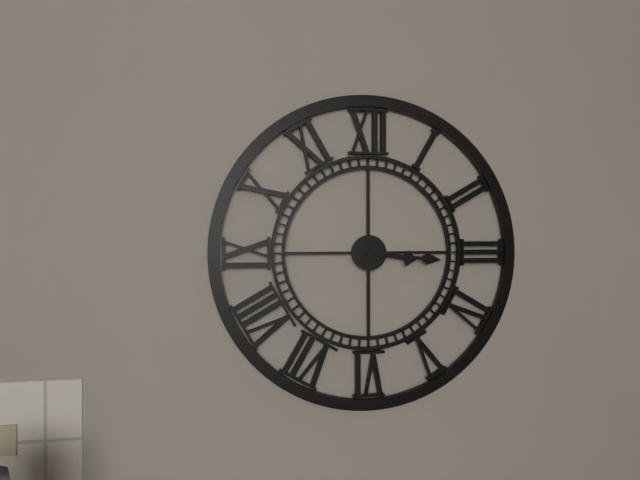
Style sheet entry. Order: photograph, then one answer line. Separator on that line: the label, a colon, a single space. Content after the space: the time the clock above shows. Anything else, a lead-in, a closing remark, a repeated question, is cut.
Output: 3:16
